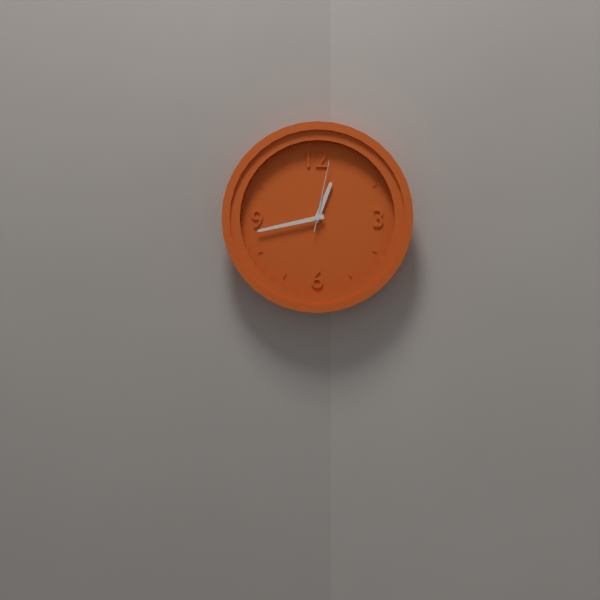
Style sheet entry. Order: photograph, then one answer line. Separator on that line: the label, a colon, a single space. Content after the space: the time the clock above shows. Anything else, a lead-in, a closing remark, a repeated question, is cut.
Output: 12:43:02
